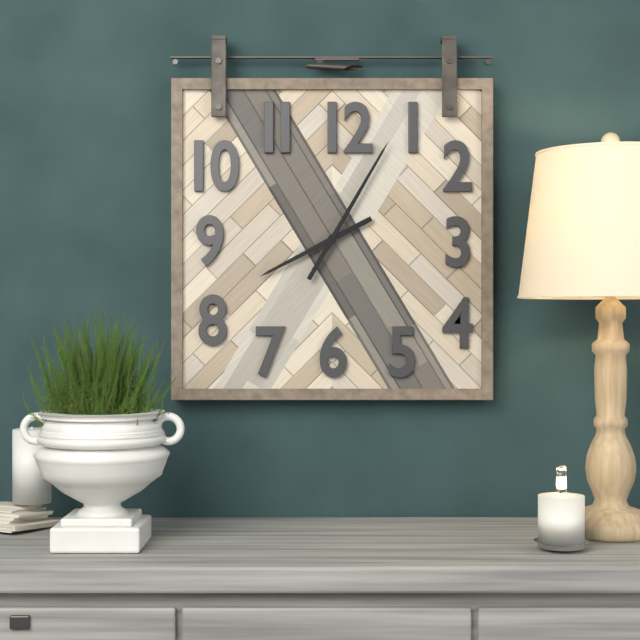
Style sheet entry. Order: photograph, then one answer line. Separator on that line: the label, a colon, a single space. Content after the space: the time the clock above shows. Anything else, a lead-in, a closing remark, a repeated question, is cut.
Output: 8:05
